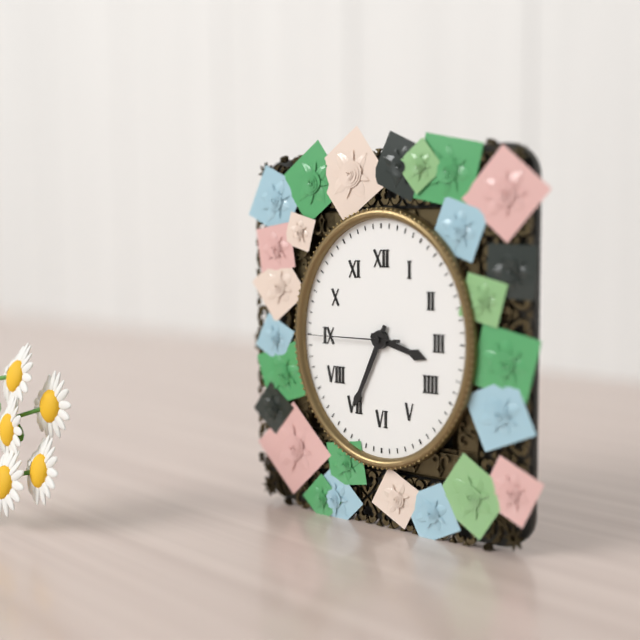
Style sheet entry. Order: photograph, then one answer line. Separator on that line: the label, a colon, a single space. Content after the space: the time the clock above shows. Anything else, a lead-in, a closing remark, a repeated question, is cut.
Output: 3:34:45
